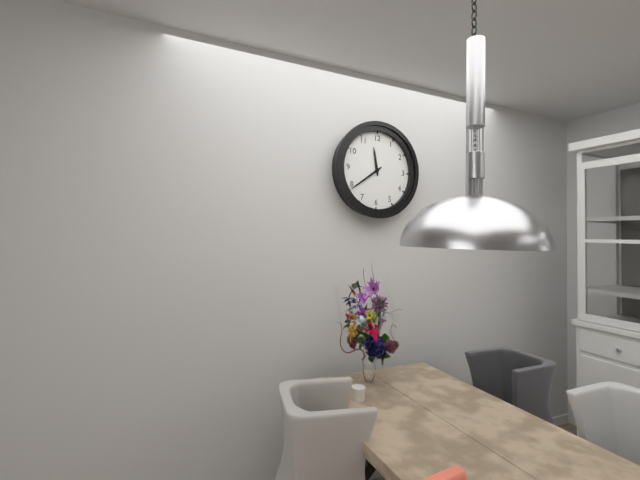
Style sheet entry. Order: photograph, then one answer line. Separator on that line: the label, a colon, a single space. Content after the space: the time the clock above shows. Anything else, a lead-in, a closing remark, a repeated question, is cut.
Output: 11:39
